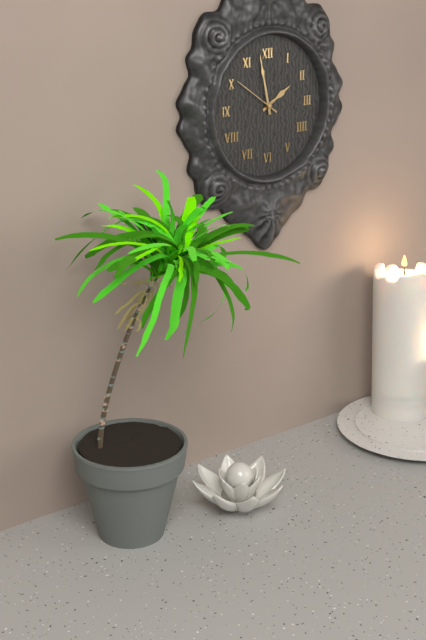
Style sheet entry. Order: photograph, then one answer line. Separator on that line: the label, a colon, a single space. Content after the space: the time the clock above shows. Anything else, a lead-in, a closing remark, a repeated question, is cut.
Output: 1:58:51
